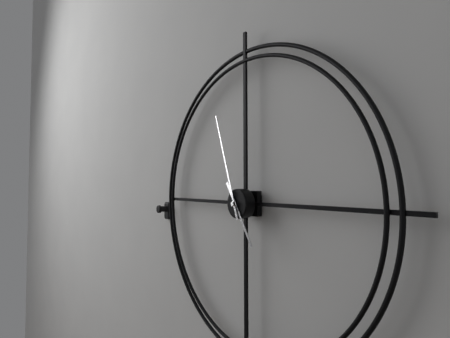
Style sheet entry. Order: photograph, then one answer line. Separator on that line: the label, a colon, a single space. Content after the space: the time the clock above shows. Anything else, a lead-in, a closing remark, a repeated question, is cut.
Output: 4:57
